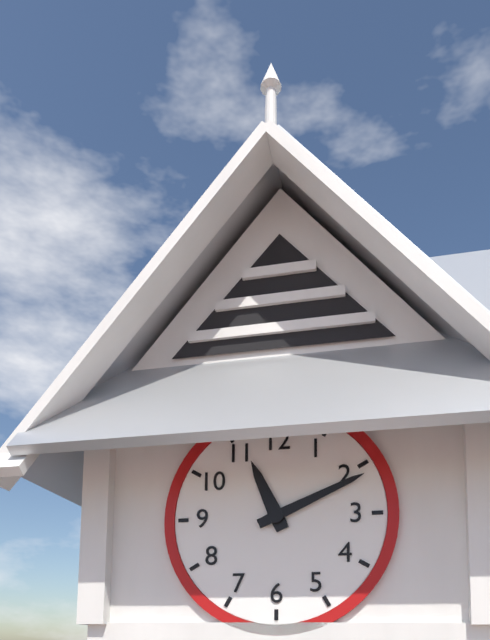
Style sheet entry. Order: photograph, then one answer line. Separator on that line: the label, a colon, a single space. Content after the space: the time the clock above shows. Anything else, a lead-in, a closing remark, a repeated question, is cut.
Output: 11:11
